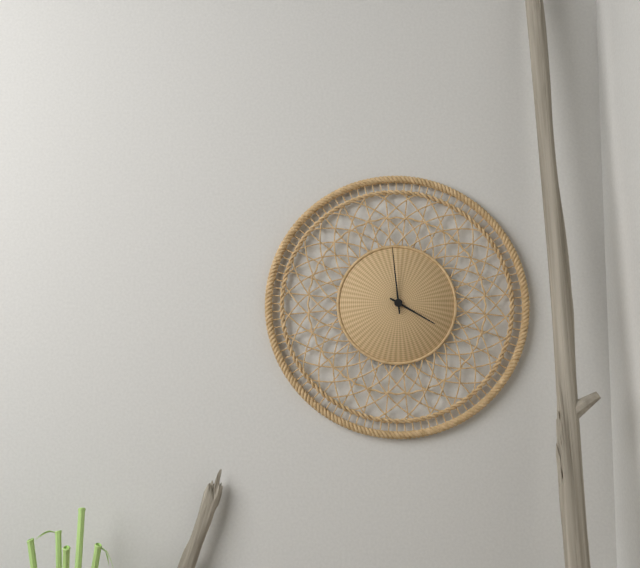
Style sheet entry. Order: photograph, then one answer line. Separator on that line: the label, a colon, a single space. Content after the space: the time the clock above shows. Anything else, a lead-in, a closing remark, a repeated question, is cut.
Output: 3:59
